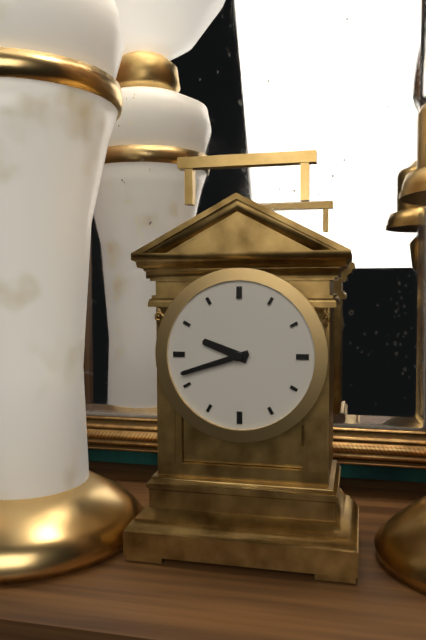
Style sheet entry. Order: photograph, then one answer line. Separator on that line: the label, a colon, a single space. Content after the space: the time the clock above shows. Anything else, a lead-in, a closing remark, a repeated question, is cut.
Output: 9:42
